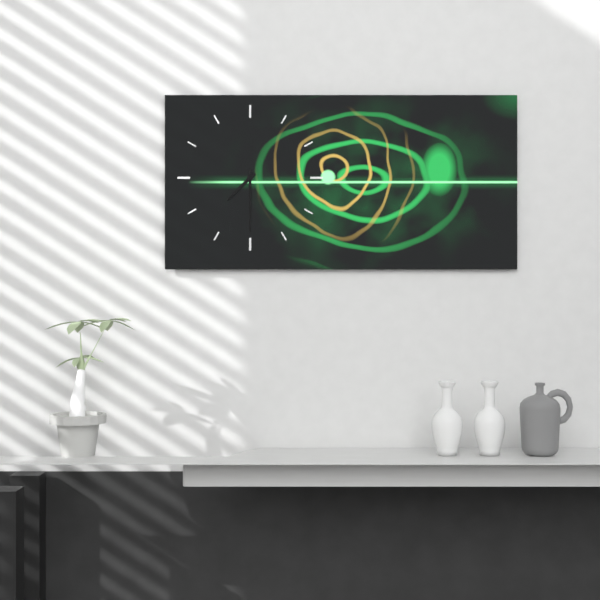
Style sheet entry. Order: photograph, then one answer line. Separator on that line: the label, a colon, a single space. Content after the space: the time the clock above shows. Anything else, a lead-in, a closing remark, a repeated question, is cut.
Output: 7:30
